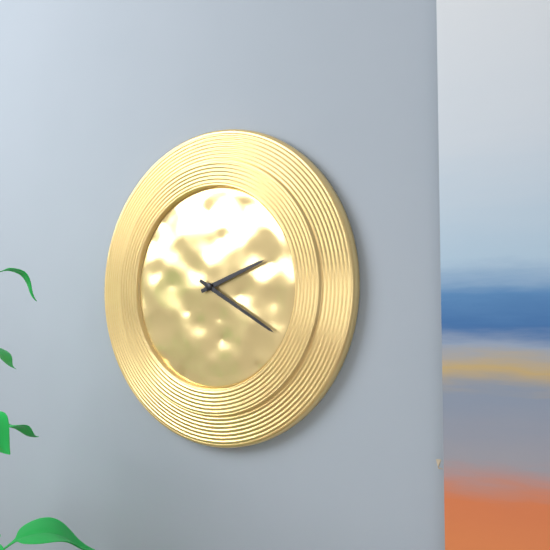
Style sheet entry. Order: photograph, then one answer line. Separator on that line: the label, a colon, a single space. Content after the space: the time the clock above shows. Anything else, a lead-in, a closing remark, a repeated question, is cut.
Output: 2:20
